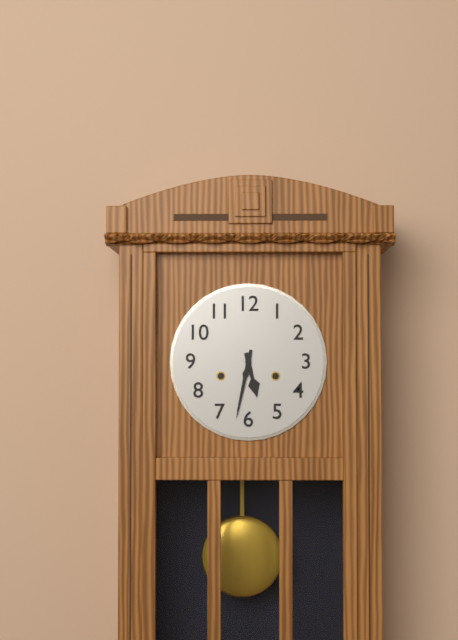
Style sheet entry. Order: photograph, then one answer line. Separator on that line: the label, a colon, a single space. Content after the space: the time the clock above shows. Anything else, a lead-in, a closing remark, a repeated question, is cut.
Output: 5:32
